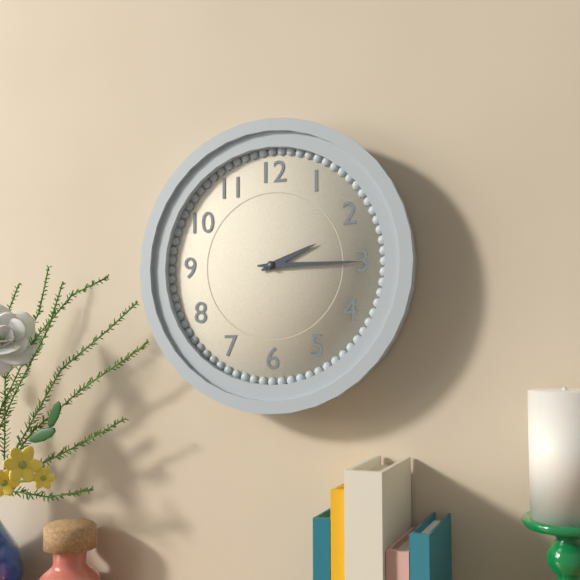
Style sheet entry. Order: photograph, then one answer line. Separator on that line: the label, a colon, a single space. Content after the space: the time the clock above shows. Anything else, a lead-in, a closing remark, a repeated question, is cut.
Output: 2:15
